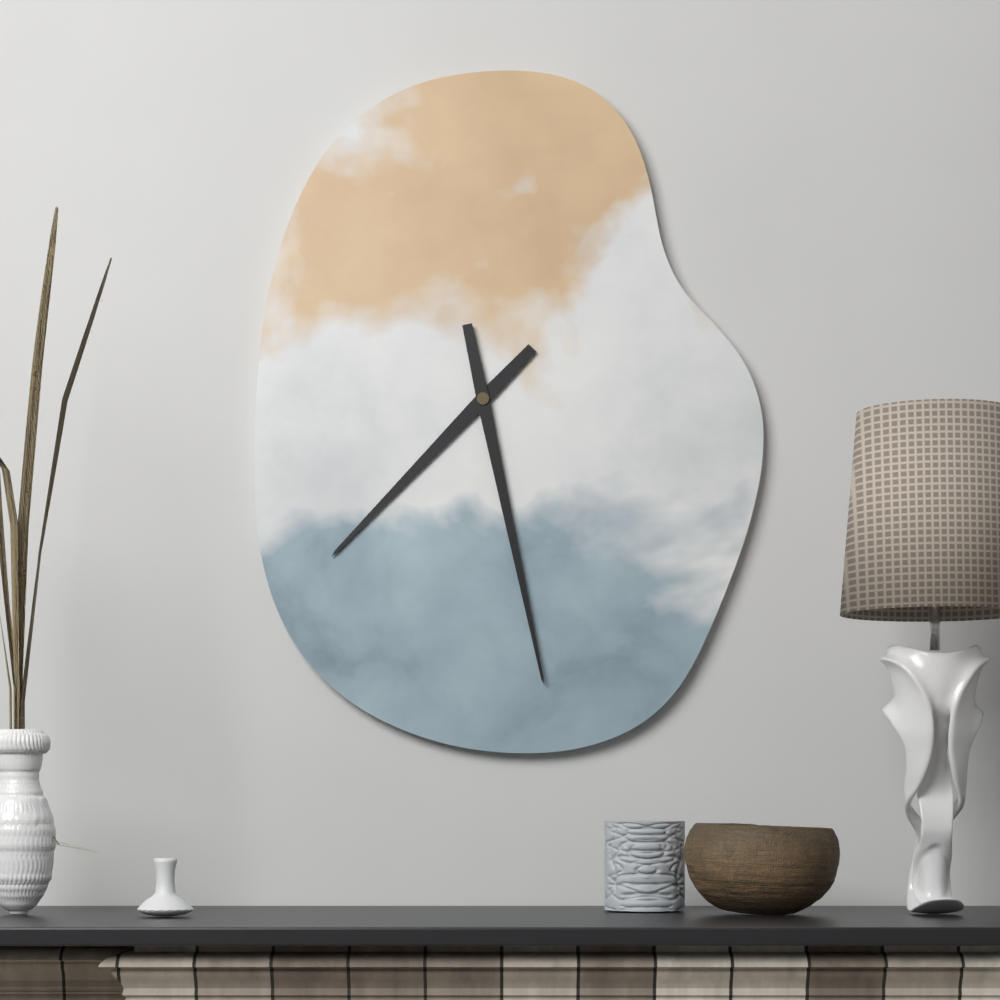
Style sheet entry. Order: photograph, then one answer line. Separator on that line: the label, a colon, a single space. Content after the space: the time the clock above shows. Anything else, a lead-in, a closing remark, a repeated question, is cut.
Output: 7:28
